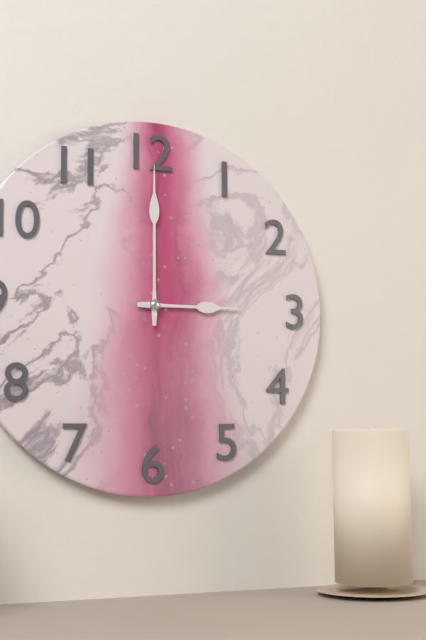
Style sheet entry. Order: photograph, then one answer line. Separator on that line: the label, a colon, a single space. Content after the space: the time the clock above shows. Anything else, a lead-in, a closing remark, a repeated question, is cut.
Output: 3:00
